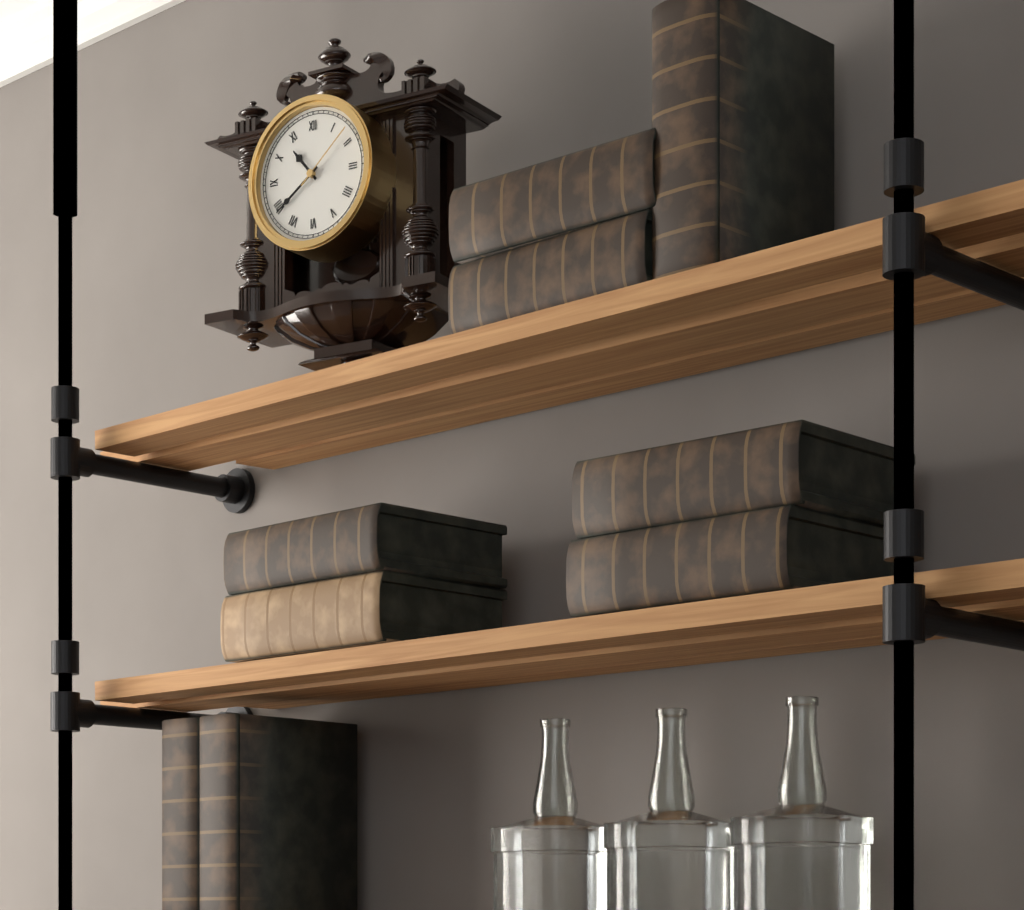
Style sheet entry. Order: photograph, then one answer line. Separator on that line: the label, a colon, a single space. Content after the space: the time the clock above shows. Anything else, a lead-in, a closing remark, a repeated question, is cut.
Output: 10:39:08
